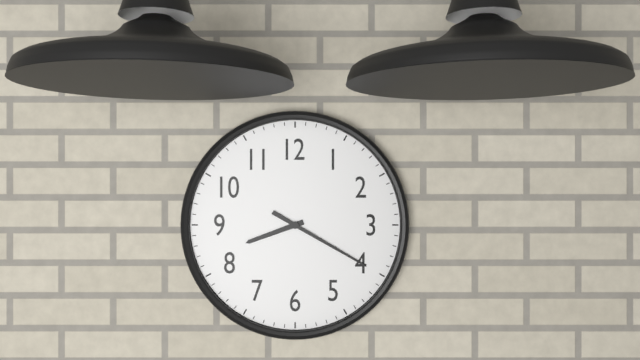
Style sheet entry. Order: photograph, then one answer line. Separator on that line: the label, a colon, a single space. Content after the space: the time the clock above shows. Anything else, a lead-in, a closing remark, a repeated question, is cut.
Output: 8:20
